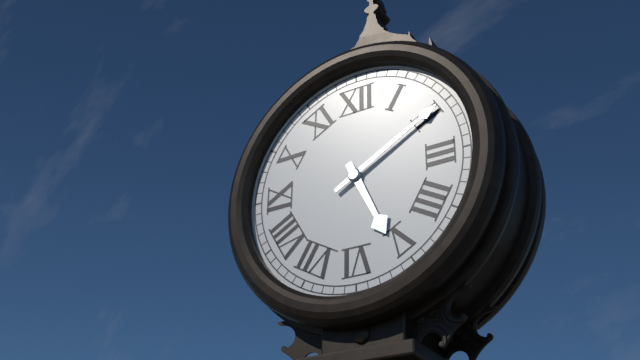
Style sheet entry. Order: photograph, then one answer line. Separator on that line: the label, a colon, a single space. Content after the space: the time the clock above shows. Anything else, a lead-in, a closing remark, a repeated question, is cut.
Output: 5:10
